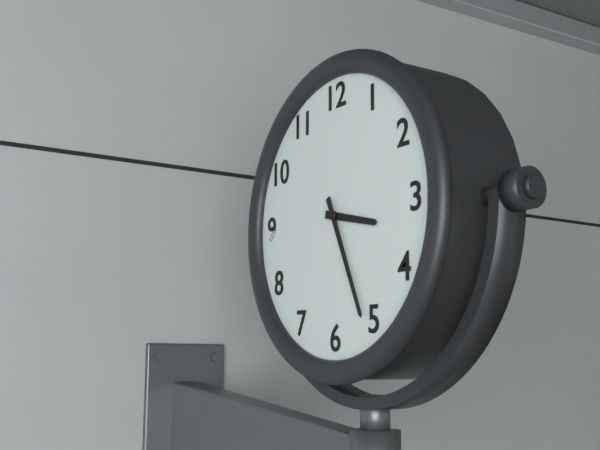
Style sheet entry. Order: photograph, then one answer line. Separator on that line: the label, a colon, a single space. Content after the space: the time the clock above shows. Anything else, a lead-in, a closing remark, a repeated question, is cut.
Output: 3:26
